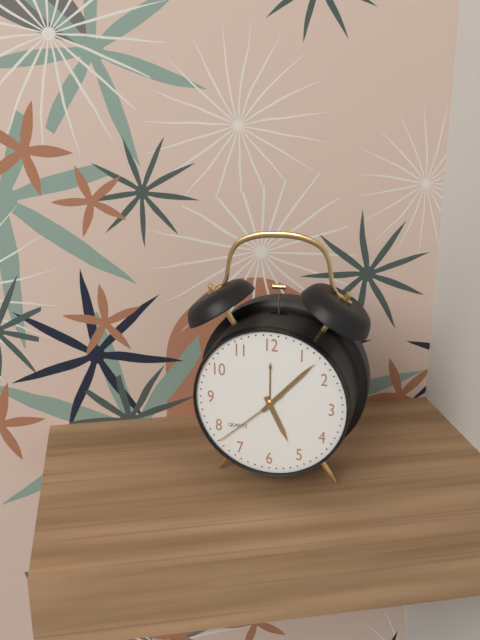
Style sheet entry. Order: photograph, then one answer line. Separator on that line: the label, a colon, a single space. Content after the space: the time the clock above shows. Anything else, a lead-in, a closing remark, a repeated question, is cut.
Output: 5:07:38
